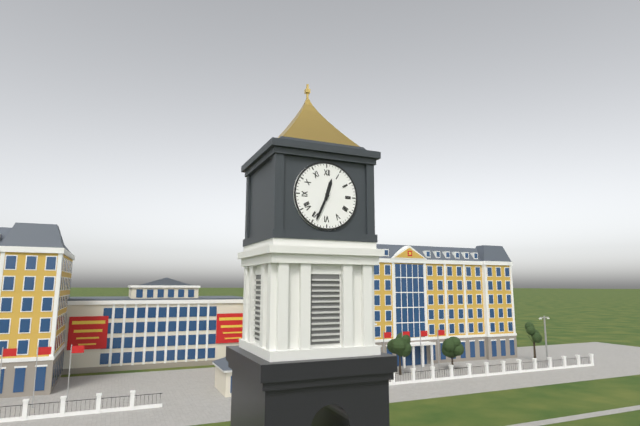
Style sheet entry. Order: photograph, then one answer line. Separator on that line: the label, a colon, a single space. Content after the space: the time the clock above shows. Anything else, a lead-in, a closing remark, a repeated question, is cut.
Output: 12:34
